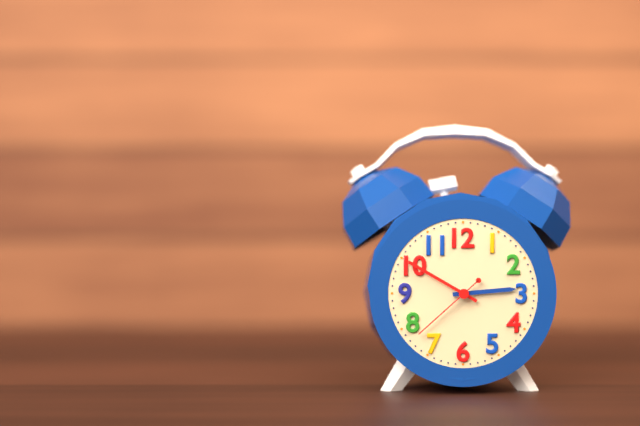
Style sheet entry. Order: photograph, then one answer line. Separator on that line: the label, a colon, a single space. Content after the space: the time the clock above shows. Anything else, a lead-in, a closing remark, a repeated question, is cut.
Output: 2:50:38
